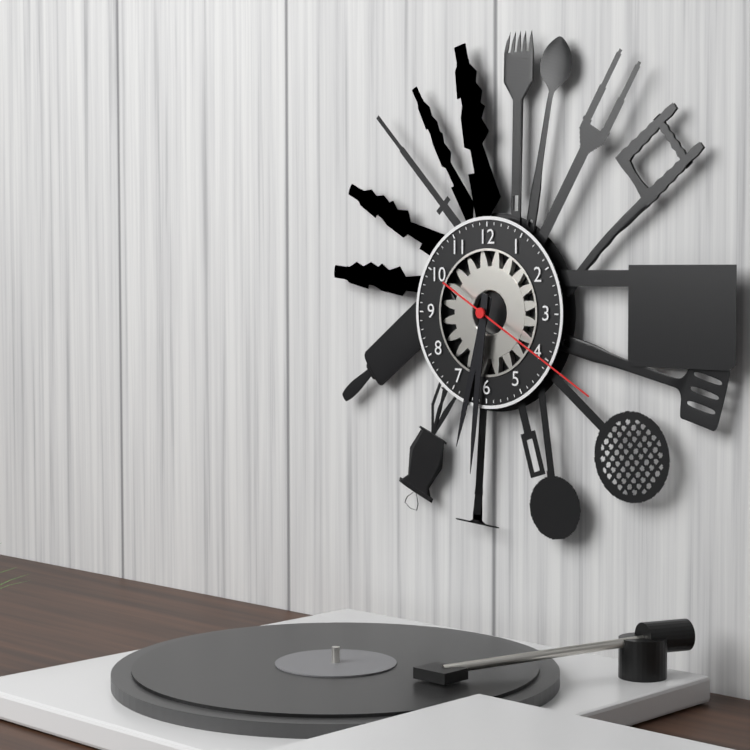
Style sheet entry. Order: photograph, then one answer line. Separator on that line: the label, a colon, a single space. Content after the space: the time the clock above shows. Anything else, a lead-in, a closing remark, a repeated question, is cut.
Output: 6:31:20
